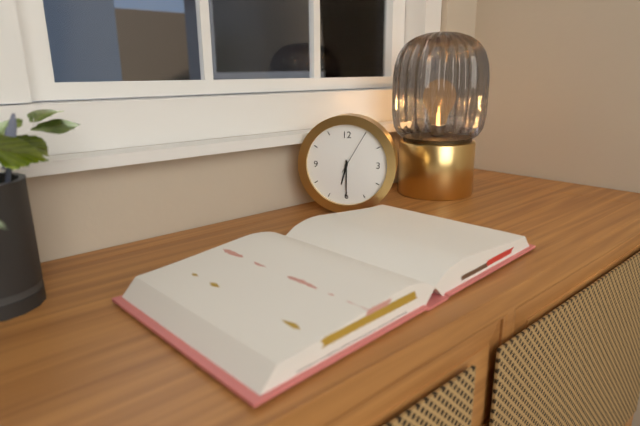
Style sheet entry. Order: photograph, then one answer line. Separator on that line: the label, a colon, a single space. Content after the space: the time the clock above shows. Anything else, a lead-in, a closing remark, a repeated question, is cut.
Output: 6:30
